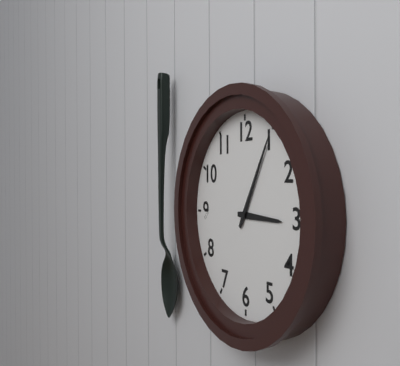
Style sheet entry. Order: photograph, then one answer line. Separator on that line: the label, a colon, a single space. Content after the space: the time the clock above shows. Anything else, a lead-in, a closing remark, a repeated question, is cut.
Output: 3:05
